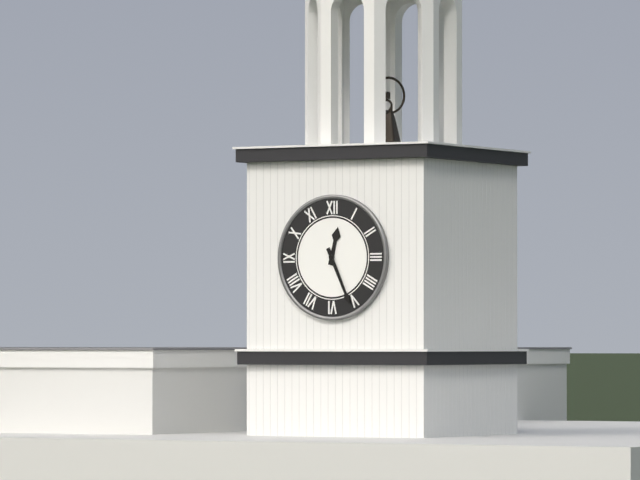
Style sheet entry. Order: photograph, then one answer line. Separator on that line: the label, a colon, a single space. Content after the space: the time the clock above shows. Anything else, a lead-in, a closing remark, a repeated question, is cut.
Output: 12:26
